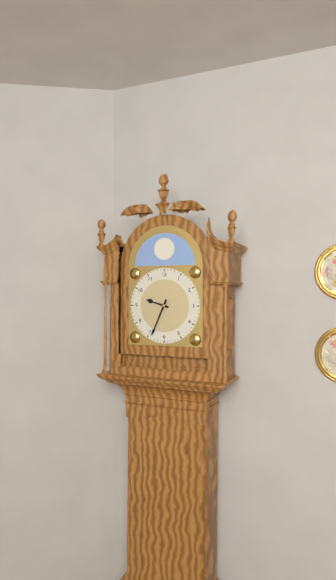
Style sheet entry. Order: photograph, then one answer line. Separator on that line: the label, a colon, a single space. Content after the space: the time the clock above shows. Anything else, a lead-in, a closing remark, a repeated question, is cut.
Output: 9:34
